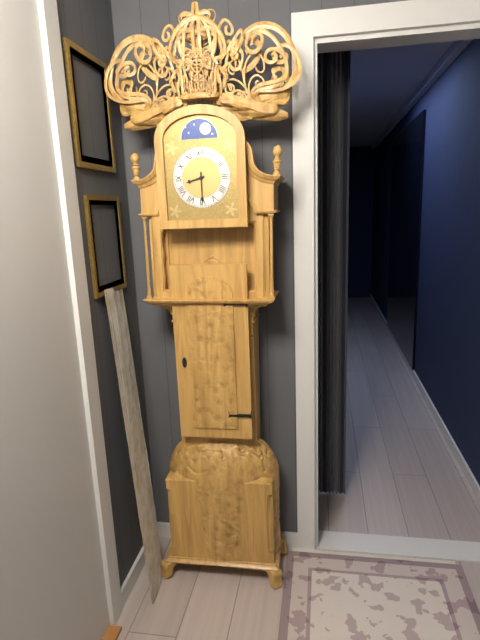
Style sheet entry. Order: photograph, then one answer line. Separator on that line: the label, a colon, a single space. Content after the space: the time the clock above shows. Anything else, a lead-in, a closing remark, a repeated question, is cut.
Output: 8:30
